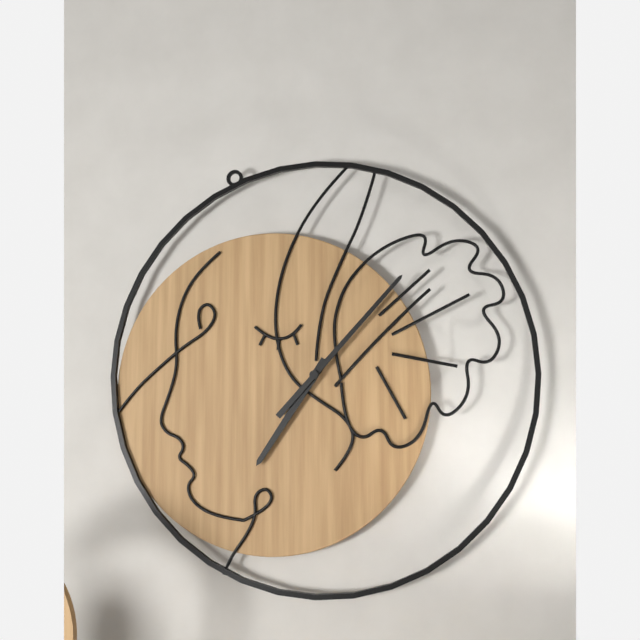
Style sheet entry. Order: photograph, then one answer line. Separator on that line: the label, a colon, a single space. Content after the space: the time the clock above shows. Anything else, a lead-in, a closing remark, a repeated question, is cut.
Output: 7:07
